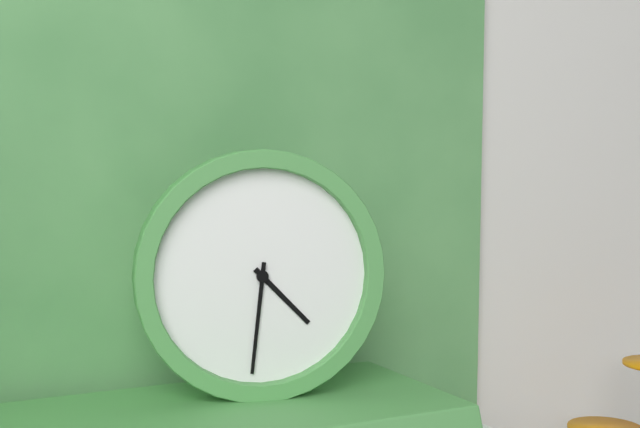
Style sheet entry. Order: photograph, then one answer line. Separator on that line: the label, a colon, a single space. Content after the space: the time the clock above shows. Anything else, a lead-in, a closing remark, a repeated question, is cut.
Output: 4:31
